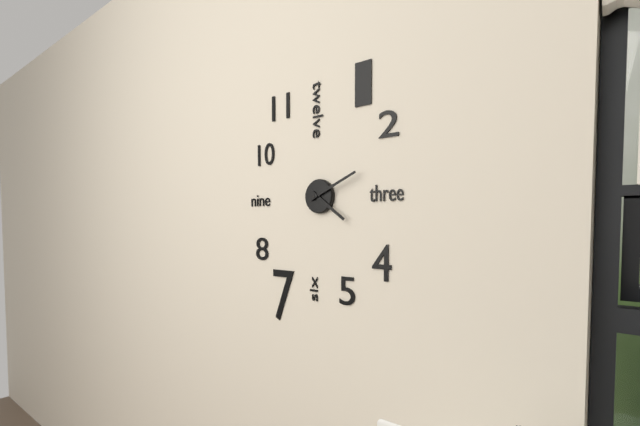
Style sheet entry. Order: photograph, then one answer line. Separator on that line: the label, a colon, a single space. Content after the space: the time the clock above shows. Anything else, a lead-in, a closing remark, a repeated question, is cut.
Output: 4:11
